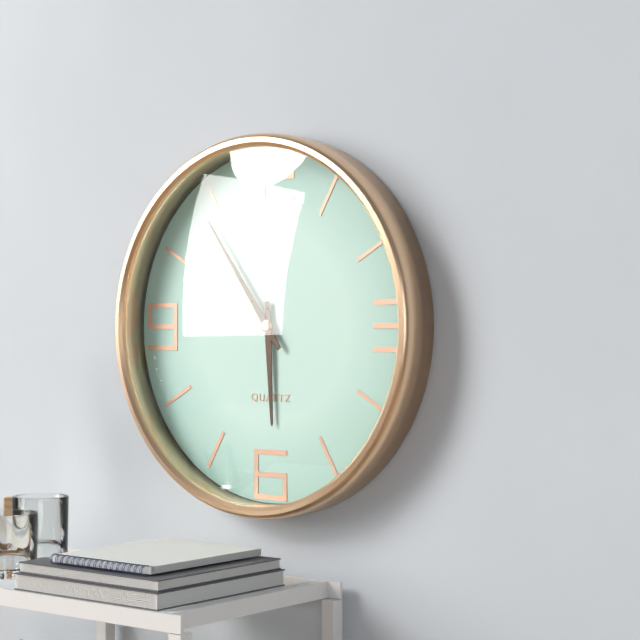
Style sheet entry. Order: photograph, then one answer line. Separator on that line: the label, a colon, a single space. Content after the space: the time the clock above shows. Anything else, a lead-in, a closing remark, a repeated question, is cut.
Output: 5:54
